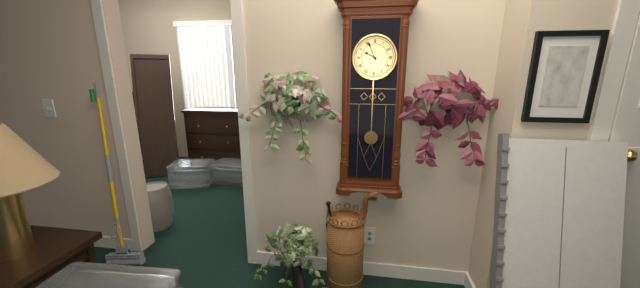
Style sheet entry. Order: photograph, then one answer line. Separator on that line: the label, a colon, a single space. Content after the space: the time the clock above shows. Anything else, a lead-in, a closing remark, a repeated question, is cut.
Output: 9:56
